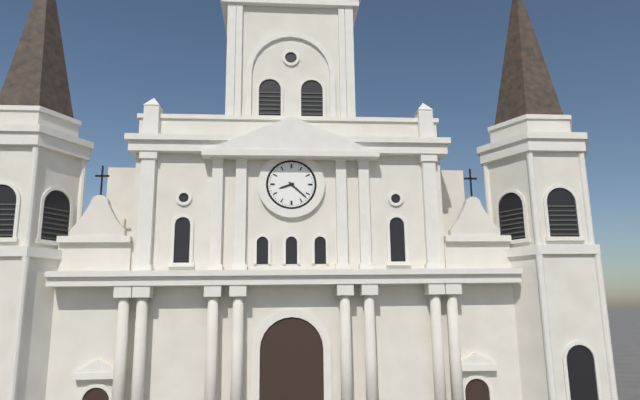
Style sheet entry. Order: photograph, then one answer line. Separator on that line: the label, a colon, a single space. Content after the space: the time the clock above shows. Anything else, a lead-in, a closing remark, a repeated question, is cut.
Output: 8:22
